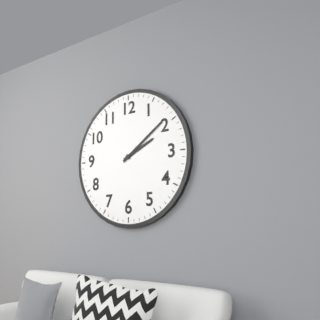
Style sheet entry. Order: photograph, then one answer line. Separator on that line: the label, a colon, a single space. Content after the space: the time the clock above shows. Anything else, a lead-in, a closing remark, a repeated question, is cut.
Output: 2:09
